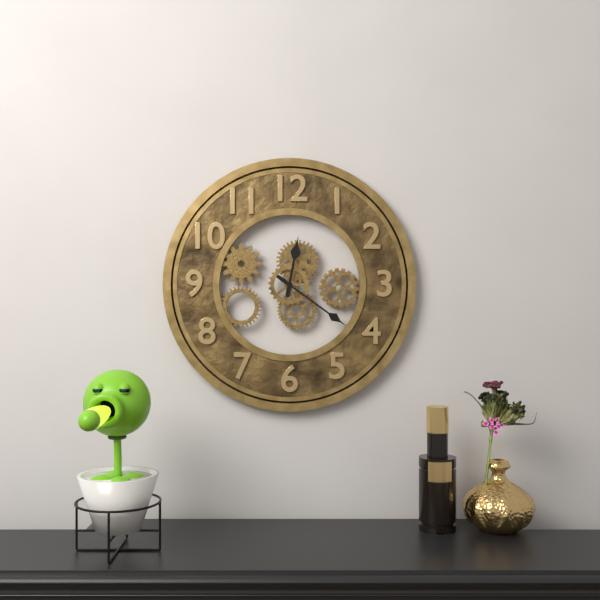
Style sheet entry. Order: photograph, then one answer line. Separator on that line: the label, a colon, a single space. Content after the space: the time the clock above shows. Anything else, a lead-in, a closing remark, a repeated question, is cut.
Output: 12:21
